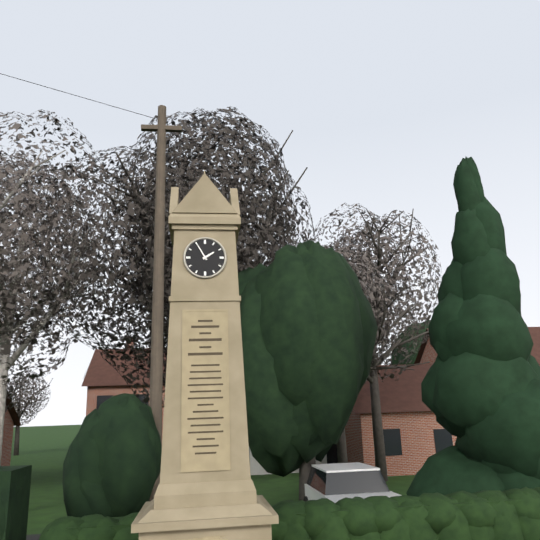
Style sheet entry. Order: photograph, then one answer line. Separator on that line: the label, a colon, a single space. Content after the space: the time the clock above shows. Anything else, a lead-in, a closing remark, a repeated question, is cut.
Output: 1:55
